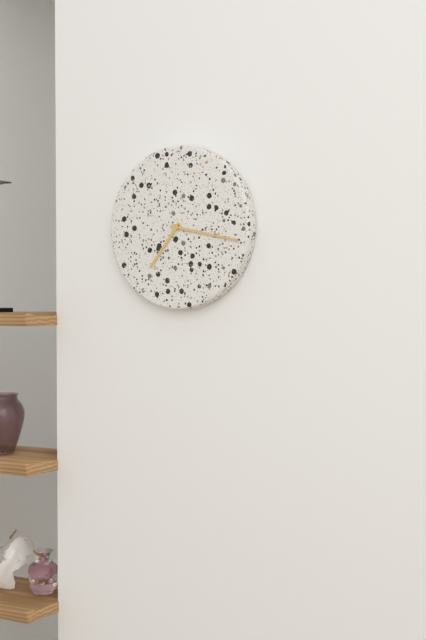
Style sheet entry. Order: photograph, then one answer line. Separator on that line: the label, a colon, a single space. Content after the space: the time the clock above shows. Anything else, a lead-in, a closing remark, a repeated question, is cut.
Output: 7:17
